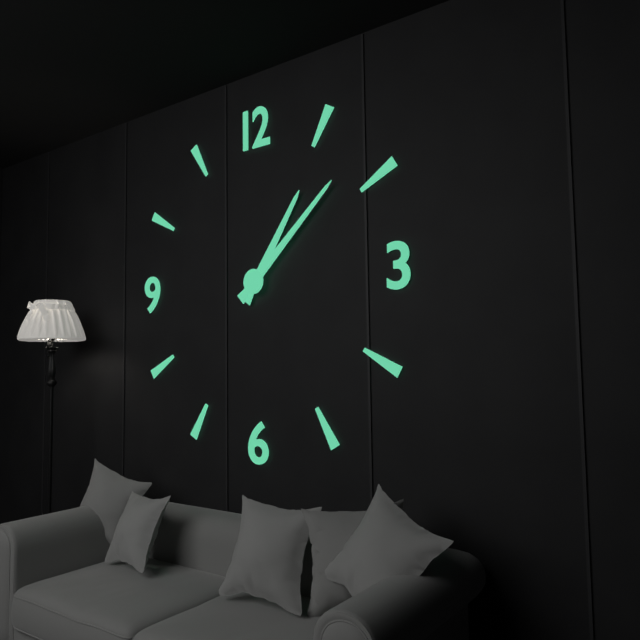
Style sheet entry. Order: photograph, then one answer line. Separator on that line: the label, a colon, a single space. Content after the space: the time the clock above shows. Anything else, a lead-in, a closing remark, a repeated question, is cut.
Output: 1:08
